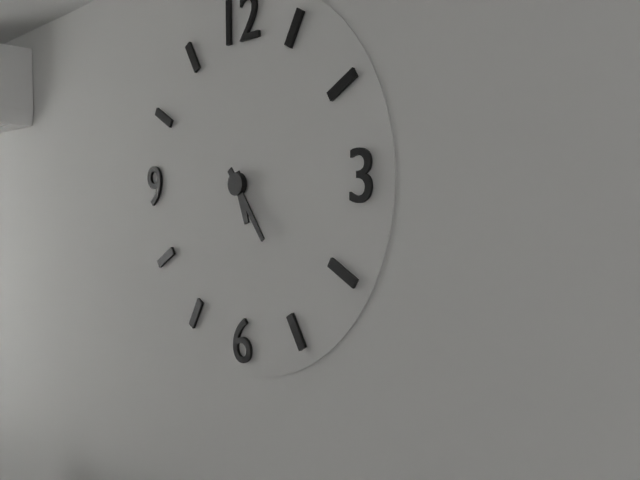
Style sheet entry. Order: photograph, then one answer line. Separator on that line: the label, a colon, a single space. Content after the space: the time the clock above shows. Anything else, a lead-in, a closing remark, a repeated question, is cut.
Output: 5:24
